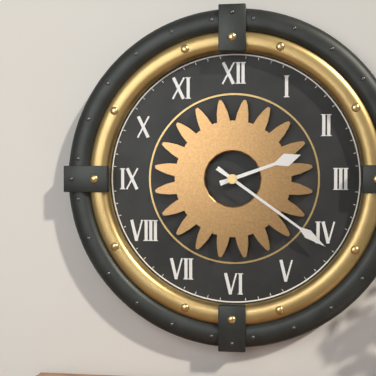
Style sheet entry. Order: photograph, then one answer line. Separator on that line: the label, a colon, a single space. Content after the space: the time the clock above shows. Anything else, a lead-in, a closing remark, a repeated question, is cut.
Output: 2:21
